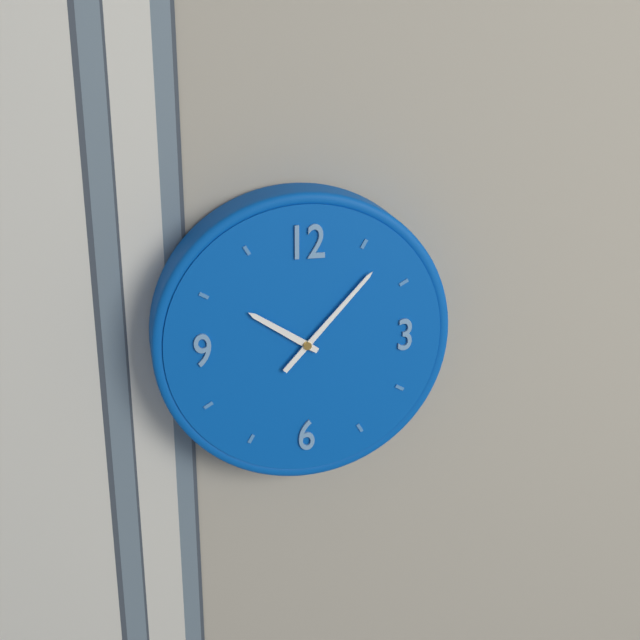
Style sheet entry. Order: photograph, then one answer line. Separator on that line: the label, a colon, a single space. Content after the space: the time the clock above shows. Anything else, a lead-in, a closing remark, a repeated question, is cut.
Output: 10:07
